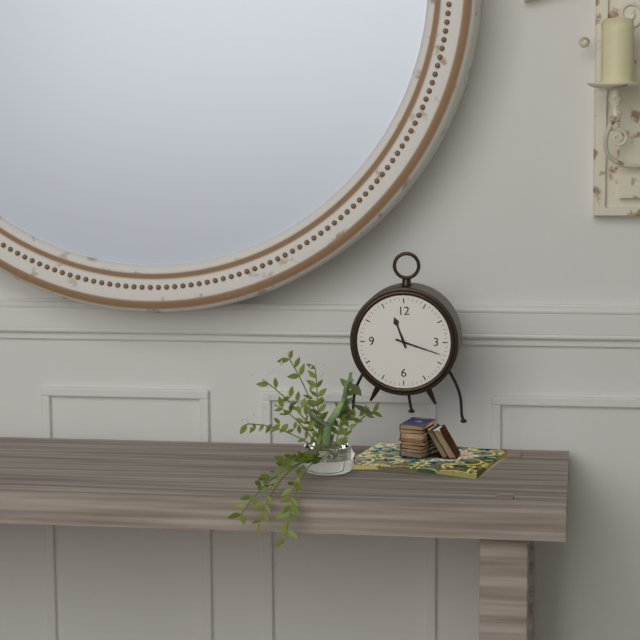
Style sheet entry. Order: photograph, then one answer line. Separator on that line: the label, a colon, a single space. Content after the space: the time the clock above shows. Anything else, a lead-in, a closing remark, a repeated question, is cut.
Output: 11:18
